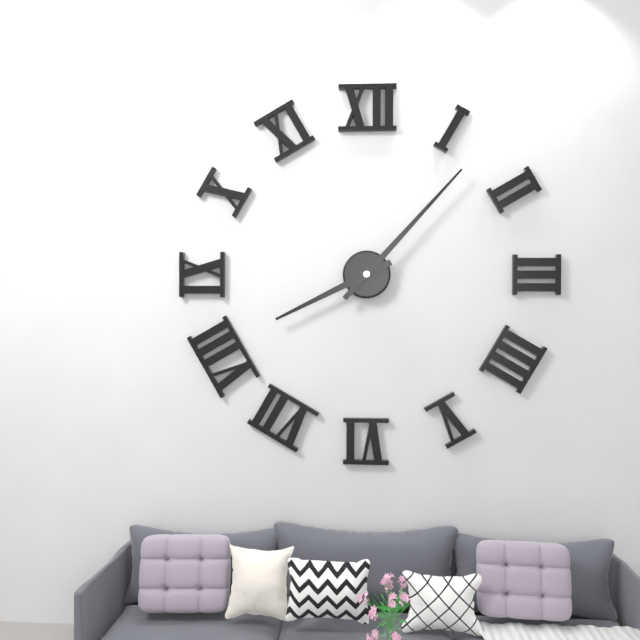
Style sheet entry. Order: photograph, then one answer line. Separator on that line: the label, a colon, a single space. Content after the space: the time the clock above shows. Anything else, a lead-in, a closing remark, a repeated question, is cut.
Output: 8:07
